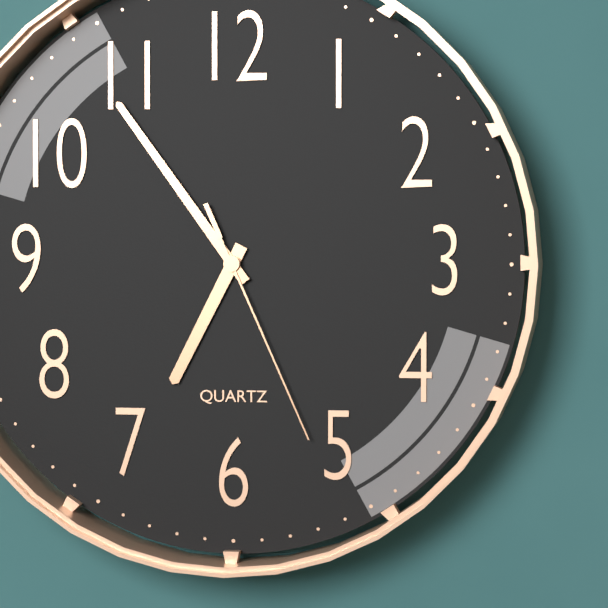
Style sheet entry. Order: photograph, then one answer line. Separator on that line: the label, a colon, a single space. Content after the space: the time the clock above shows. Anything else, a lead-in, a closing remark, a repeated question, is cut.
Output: 6:54:26
